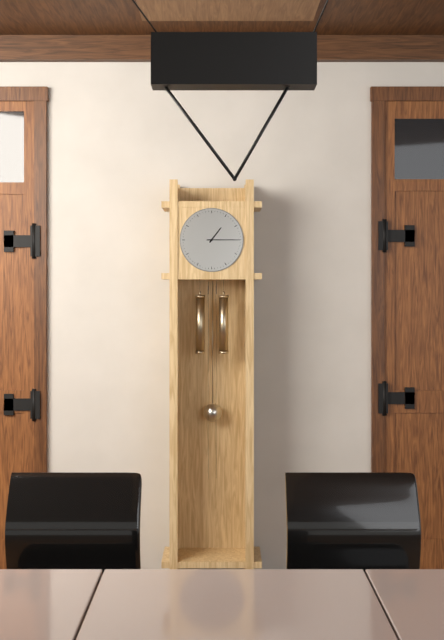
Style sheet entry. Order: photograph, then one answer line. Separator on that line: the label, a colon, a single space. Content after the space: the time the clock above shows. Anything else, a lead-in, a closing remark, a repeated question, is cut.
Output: 1:15
